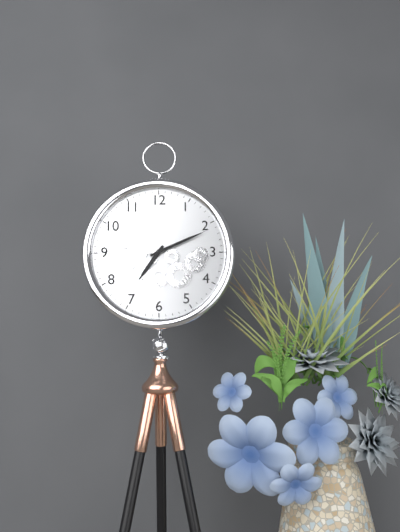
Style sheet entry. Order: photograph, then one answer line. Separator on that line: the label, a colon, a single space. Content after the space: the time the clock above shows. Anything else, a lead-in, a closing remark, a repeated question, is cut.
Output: 7:11
